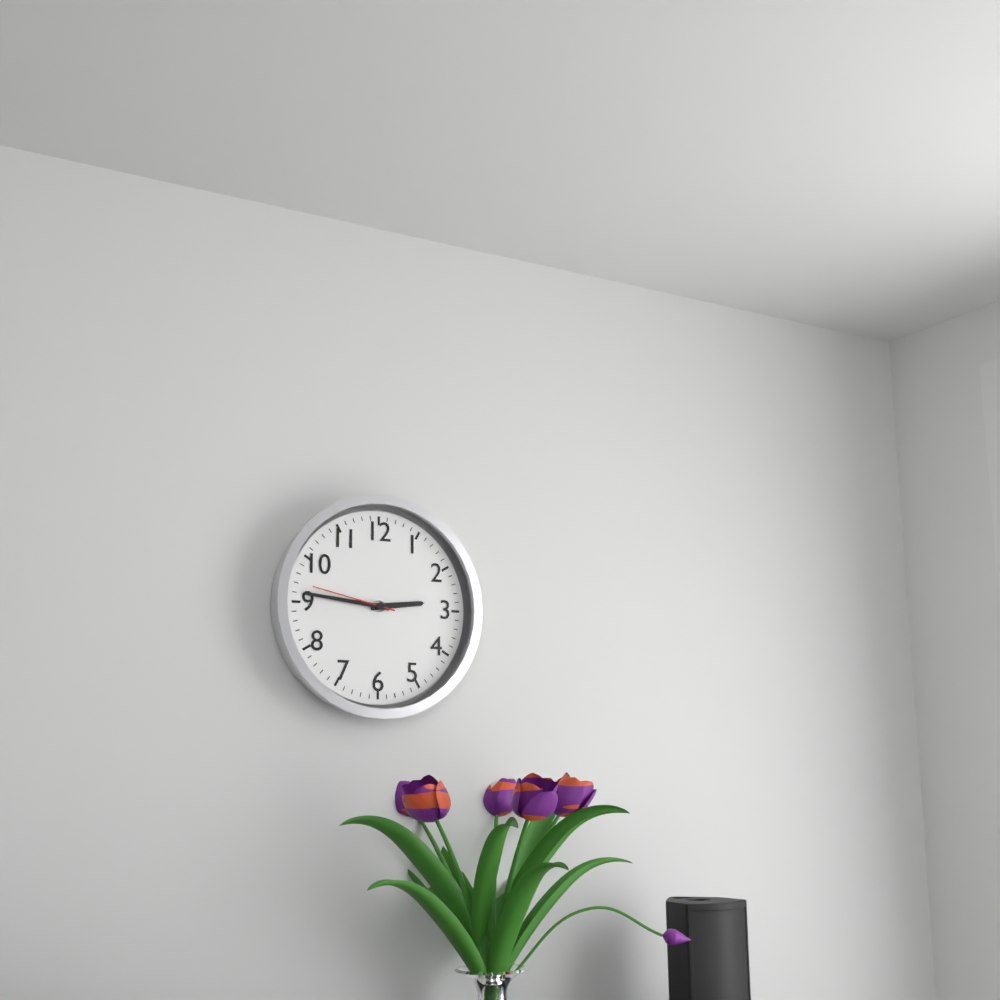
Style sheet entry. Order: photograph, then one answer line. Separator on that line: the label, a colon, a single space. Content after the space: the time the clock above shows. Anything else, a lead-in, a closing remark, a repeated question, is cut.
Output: 2:46:47
